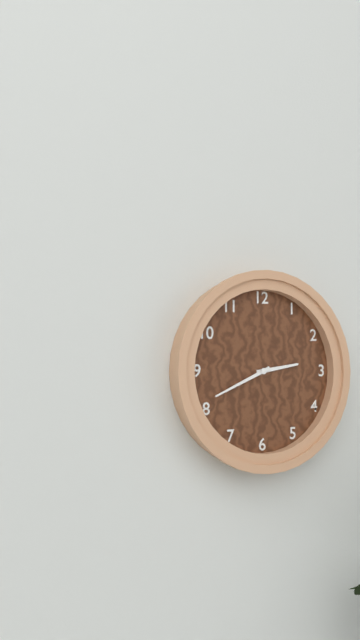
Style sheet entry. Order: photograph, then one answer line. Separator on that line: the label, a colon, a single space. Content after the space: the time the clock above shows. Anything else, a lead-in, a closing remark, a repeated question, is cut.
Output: 2:41
